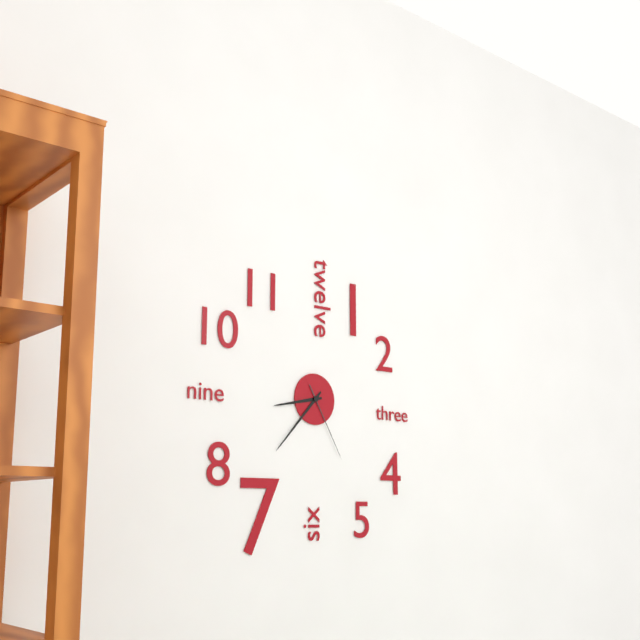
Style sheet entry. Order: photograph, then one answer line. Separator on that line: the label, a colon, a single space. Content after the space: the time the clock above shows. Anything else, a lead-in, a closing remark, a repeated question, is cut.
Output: 8:37:25
